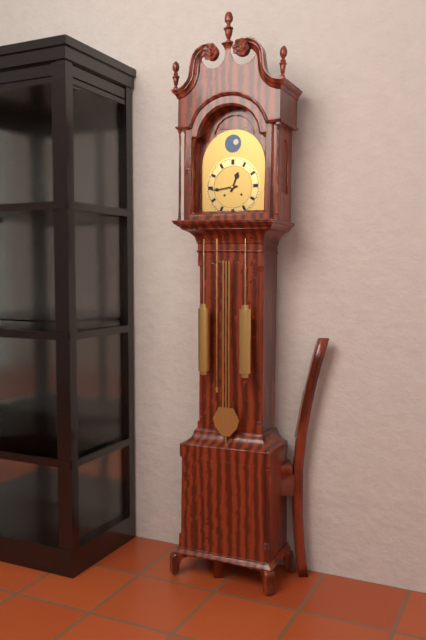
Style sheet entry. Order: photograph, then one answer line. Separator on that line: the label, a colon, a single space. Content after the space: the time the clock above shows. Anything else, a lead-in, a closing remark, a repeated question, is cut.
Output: 12:44
